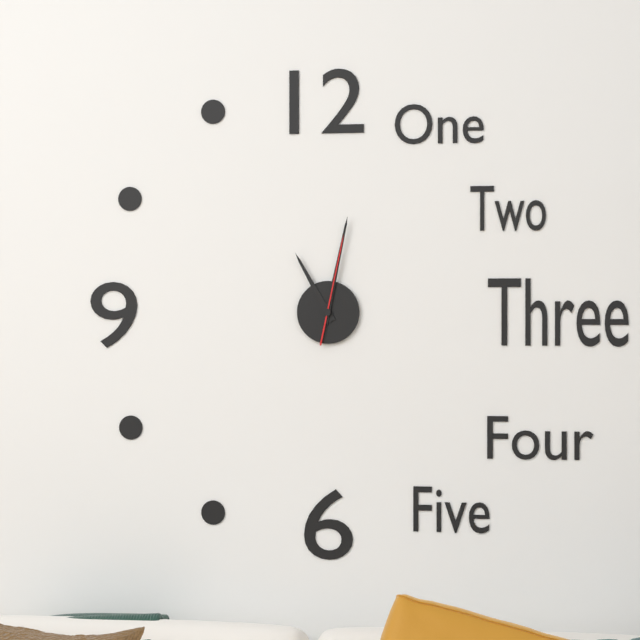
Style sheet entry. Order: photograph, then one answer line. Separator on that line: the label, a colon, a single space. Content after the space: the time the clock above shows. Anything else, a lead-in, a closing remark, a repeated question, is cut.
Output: 11:02:02
